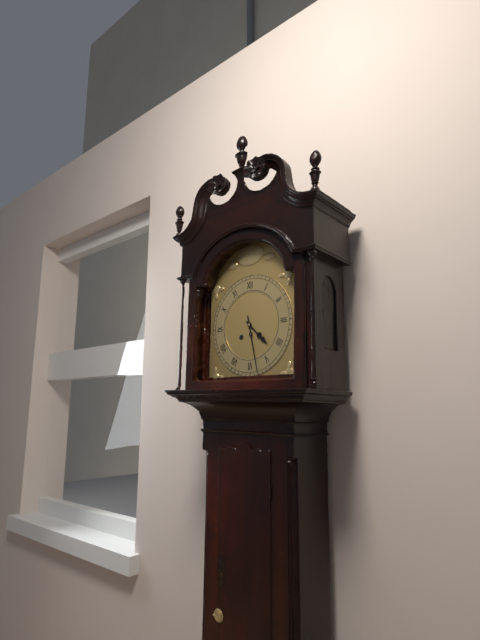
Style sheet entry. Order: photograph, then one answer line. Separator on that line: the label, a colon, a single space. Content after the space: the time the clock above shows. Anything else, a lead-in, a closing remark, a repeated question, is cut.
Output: 4:28
